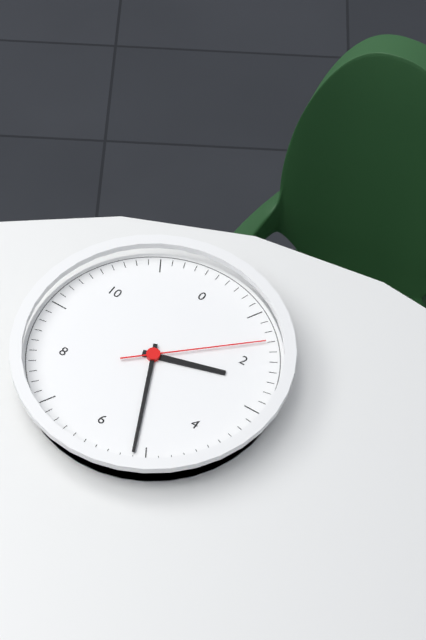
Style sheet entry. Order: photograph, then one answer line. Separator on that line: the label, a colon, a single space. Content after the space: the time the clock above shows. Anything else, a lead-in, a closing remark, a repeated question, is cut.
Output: 2:26:08
